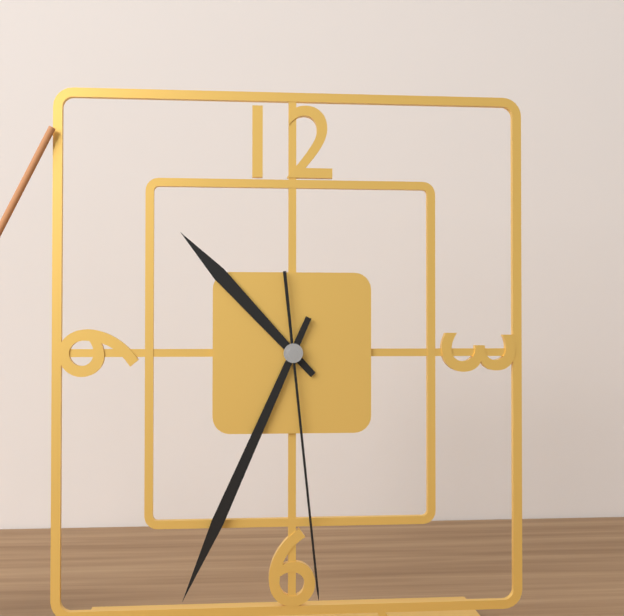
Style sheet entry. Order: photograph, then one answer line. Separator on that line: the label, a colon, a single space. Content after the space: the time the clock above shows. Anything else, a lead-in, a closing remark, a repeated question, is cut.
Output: 10:34:29
